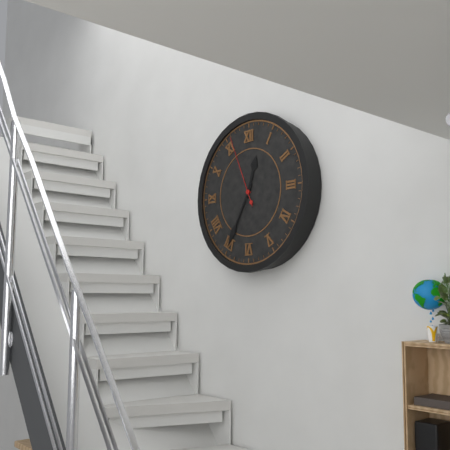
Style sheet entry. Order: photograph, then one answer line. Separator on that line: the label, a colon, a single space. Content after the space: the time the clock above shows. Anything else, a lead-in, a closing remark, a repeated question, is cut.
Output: 12:35:56
